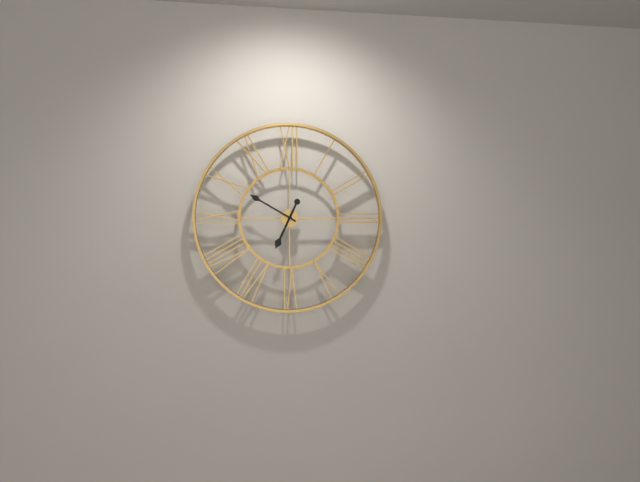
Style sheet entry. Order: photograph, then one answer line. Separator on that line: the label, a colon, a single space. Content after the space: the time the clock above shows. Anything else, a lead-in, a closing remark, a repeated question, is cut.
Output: 6:50
